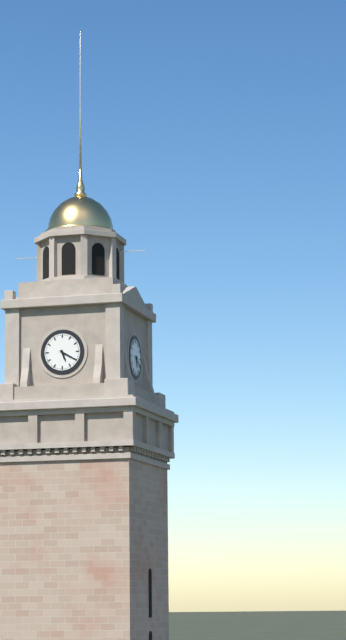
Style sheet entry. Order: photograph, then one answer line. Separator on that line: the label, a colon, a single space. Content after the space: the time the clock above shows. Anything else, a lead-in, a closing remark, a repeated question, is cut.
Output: 5:20
